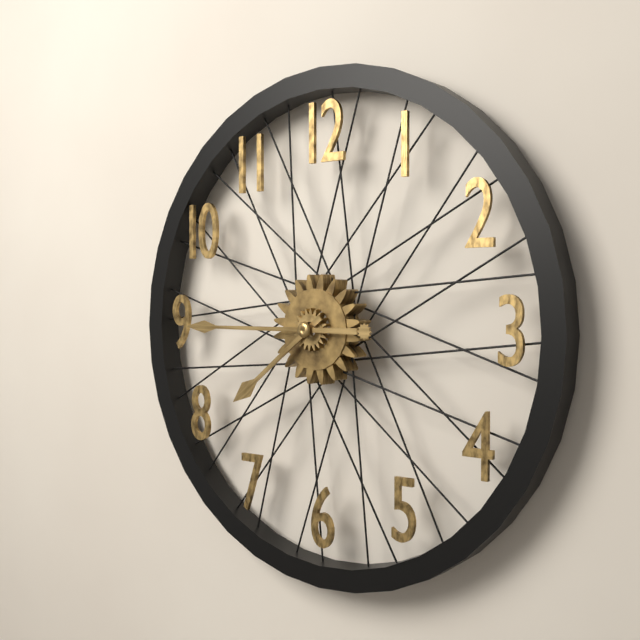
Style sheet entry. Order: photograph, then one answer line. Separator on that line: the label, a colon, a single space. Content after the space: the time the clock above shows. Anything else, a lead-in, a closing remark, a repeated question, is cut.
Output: 7:45
